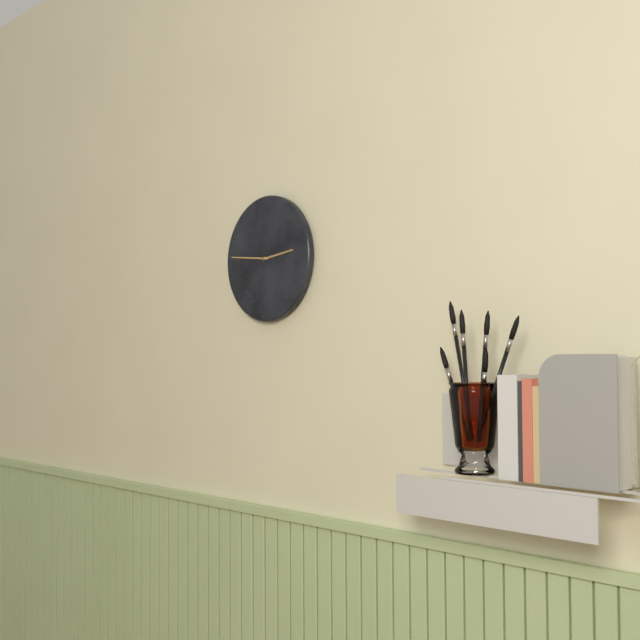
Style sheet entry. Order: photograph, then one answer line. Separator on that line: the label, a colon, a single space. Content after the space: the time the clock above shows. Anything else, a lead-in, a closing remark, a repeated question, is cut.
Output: 2:46
